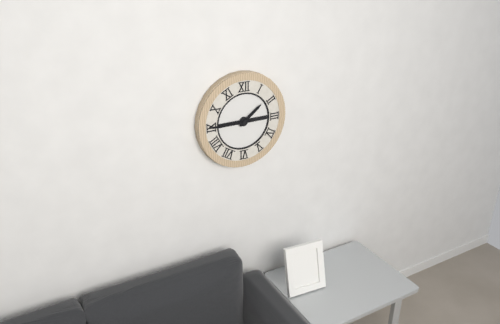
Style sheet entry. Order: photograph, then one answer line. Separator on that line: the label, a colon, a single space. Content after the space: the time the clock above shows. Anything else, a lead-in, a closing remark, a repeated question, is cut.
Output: 1:45
